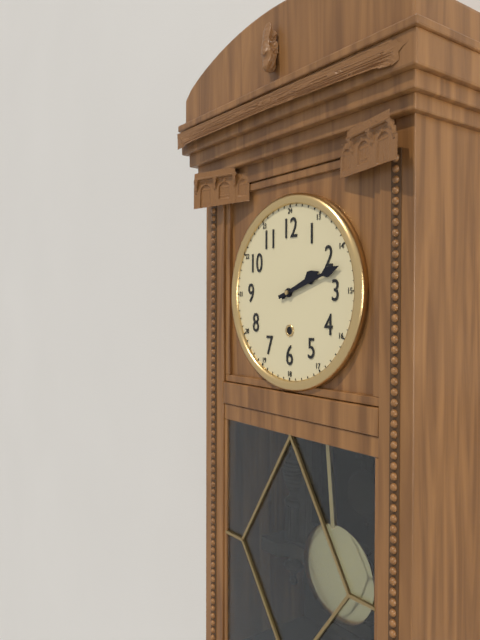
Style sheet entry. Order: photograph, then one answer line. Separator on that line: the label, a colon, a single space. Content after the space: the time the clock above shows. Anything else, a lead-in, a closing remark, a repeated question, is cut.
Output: 2:12
